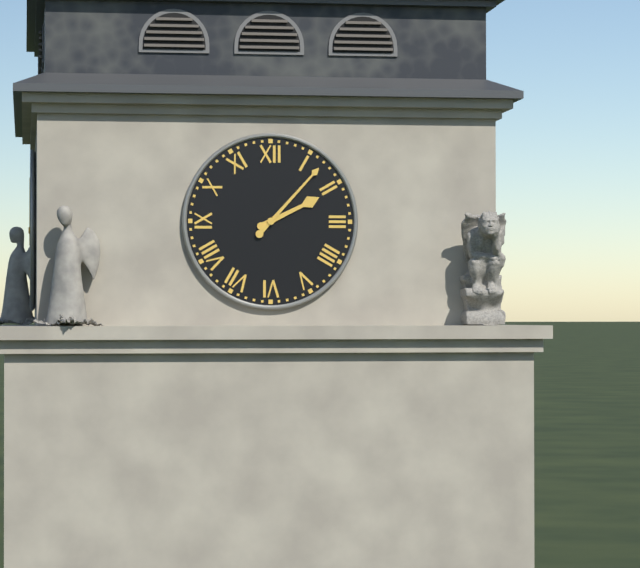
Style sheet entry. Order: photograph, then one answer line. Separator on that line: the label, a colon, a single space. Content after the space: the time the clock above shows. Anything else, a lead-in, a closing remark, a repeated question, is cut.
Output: 2:07
